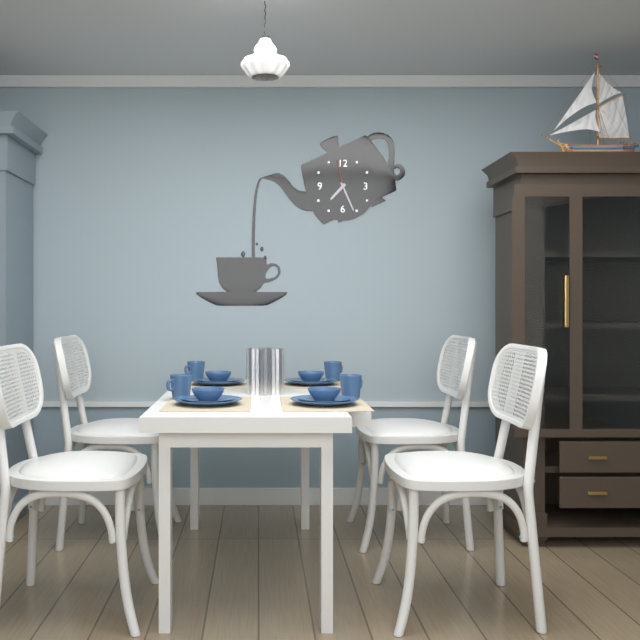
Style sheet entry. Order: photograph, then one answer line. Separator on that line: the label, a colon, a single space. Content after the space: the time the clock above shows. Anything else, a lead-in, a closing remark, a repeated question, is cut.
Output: 7:26
